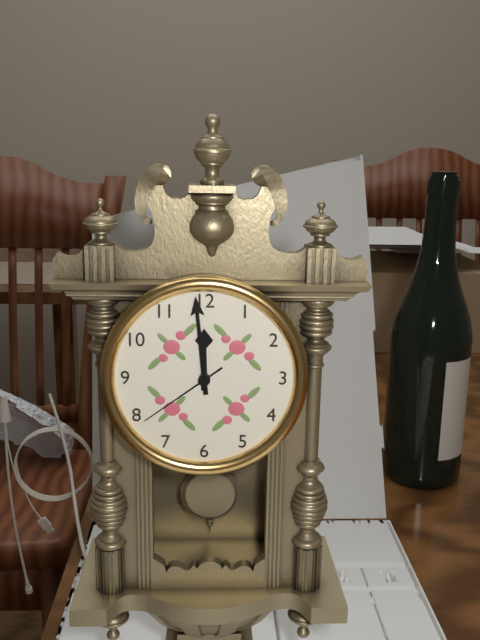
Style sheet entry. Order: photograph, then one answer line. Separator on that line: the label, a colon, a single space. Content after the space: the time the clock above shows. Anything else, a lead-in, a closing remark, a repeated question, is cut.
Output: 11:59:39
